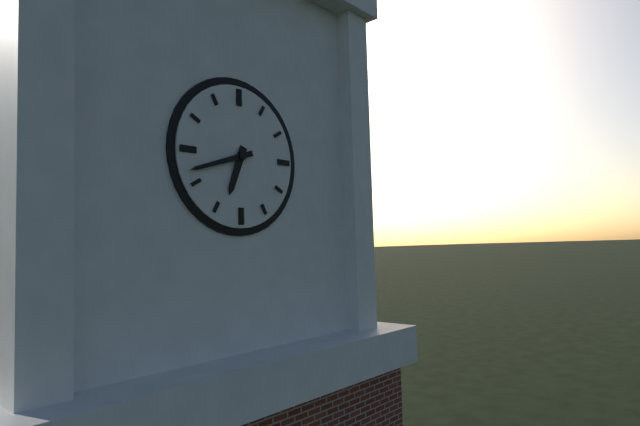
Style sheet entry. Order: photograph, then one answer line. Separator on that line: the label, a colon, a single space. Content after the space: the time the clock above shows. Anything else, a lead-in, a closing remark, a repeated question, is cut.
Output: 6:42
